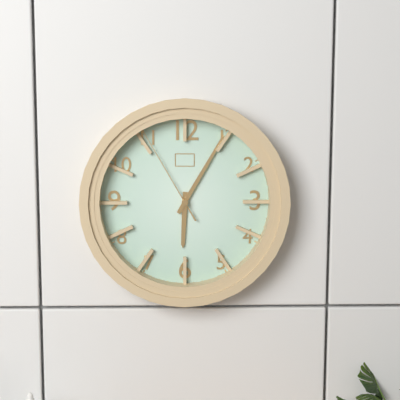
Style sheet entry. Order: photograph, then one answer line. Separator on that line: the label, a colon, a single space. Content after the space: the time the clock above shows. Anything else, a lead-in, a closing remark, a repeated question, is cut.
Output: 6:05:55
